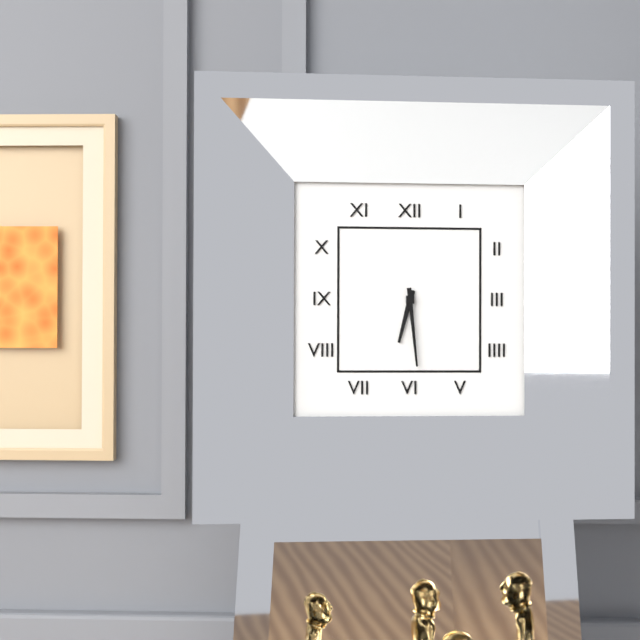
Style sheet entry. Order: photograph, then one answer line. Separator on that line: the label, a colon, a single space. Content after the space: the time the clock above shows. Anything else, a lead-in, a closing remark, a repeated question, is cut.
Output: 6:29
